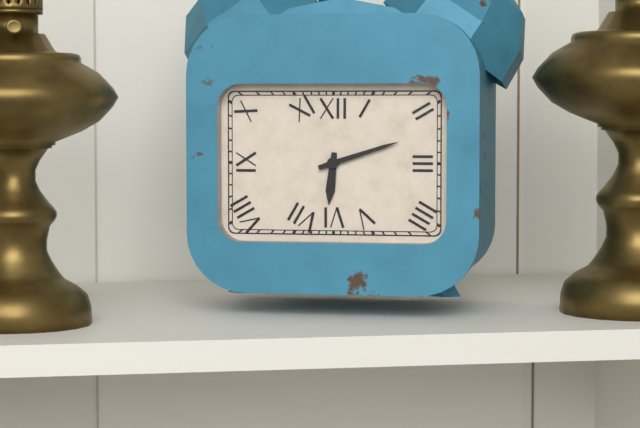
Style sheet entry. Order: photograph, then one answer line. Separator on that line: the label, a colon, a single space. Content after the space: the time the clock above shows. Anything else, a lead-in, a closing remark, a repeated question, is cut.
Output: 6:12
